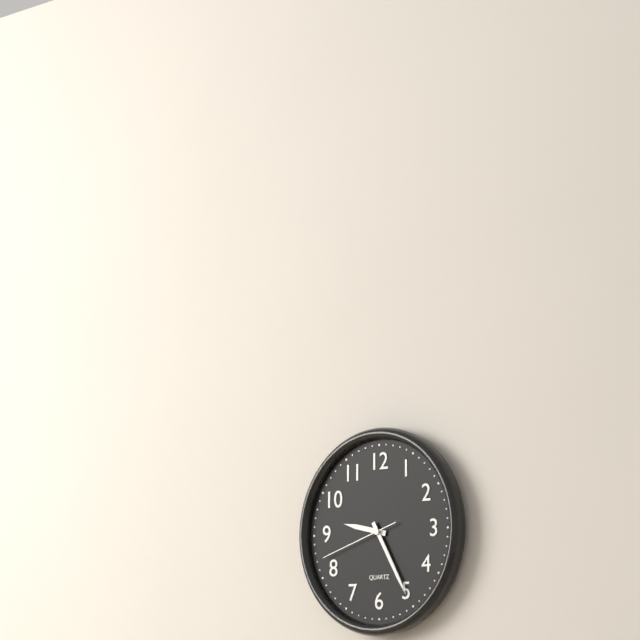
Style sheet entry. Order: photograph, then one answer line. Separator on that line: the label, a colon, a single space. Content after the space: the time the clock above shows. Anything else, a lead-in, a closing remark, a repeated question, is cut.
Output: 9:25:42
